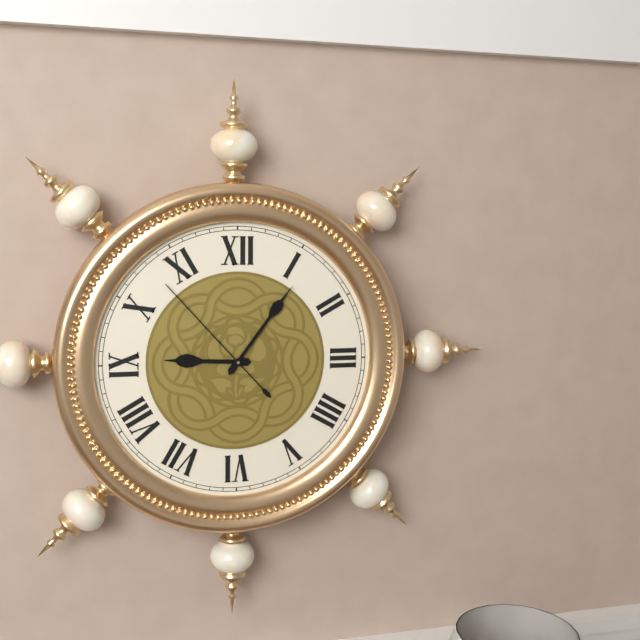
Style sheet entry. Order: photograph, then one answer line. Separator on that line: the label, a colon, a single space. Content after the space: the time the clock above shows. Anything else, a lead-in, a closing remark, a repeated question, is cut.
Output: 9:06:53
